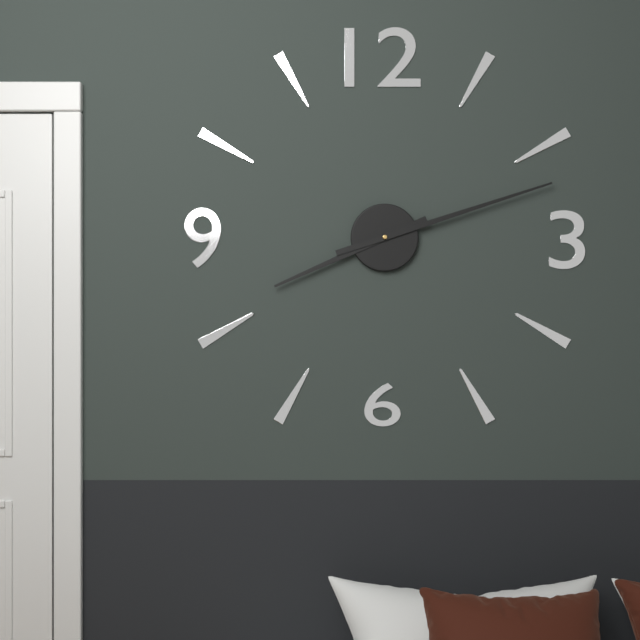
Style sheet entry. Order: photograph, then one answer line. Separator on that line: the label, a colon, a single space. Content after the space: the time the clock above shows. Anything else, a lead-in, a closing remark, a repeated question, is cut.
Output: 8:12
